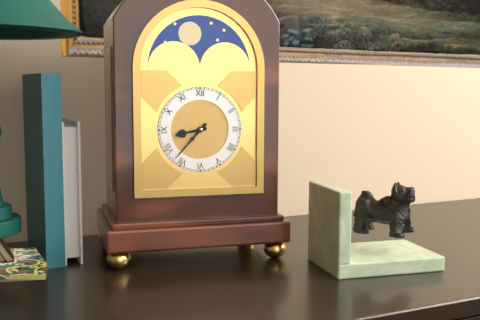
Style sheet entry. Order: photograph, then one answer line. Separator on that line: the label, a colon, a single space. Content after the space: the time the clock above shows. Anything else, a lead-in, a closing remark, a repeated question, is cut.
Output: 8:37
